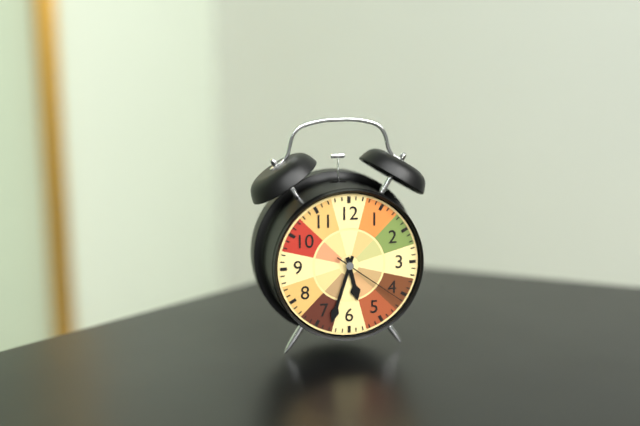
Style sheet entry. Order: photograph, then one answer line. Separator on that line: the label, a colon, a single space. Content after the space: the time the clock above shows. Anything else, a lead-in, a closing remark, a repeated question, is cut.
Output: 5:33:21
